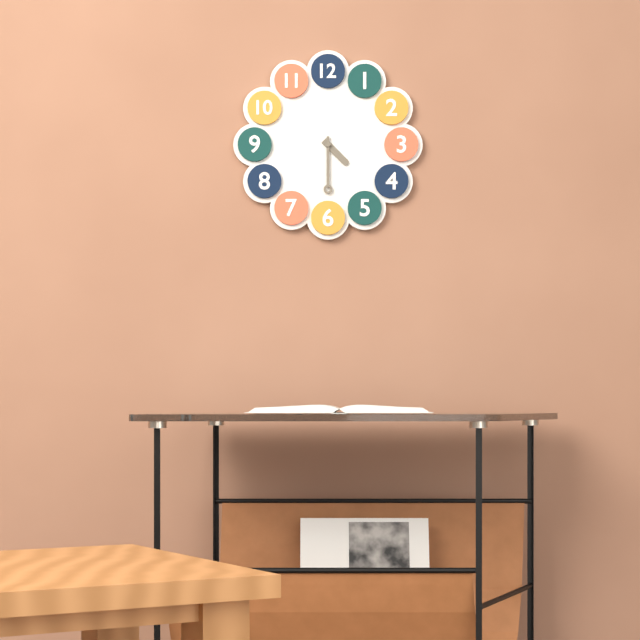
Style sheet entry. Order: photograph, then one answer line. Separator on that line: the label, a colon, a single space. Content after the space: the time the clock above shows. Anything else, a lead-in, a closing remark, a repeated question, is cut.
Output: 4:30
